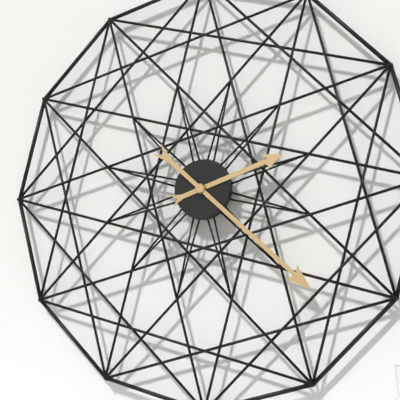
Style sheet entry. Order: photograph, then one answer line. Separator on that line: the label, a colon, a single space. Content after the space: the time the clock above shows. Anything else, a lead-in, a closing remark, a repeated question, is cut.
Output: 2:22
